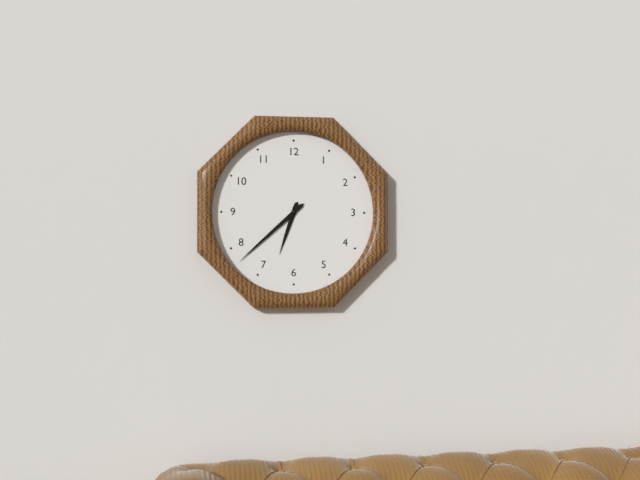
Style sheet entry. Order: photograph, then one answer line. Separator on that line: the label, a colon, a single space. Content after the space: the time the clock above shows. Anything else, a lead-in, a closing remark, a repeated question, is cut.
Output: 6:38
